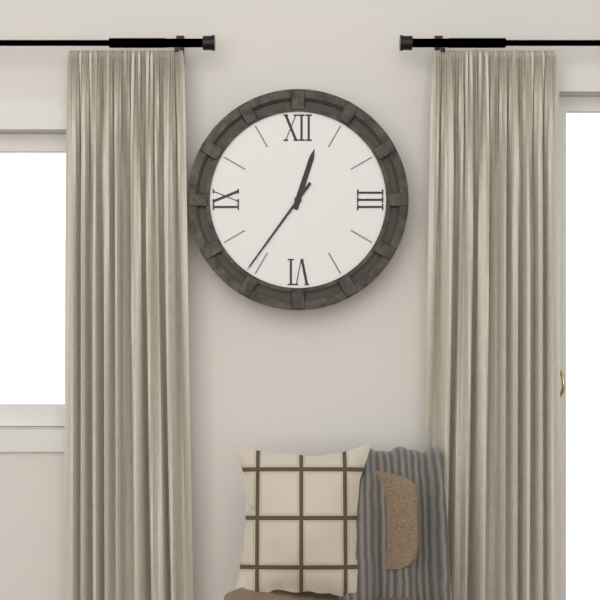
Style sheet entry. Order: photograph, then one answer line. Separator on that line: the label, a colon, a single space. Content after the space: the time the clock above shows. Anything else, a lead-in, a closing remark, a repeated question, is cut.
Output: 12:36
